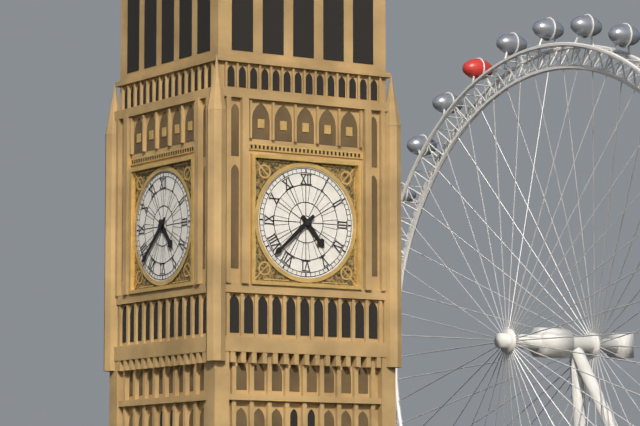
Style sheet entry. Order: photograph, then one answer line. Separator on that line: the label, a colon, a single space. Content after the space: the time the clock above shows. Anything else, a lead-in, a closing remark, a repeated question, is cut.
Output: 4:38
